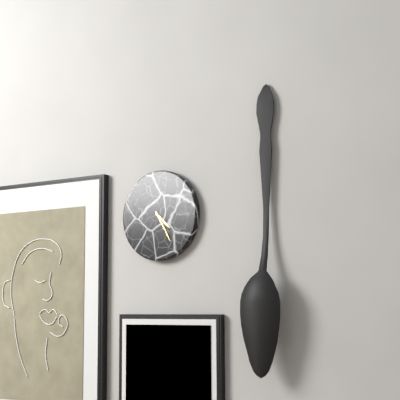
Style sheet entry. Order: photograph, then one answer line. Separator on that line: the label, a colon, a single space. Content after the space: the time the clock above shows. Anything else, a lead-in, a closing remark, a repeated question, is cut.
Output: 4:25
